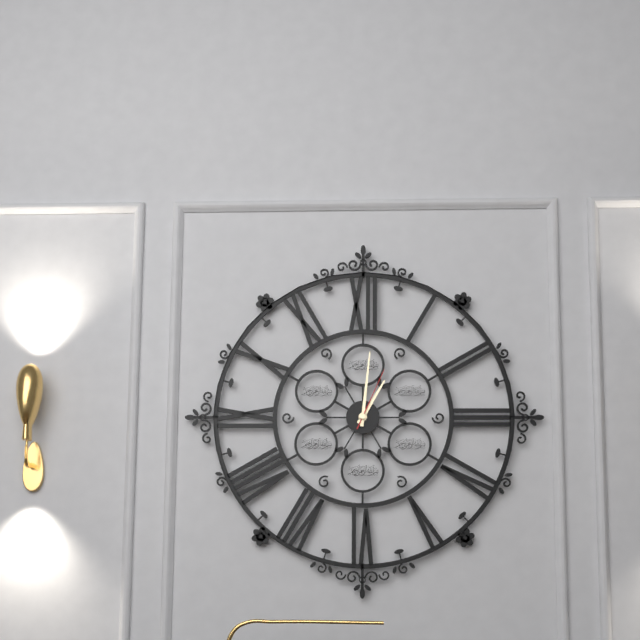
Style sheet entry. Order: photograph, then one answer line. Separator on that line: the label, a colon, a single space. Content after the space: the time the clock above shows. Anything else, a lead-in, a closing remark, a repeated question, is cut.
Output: 1:01:04
